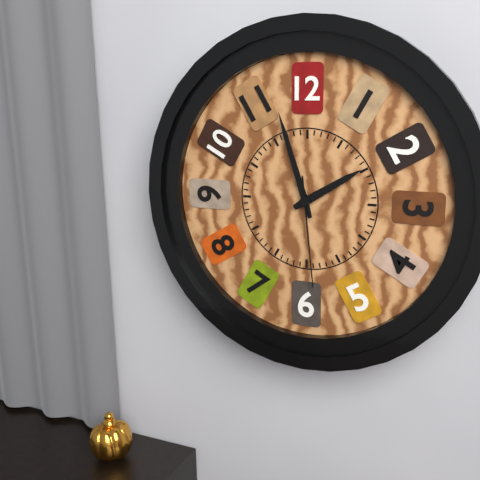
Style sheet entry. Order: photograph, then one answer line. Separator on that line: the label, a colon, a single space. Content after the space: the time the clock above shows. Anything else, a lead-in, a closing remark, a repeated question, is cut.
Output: 1:57:29
